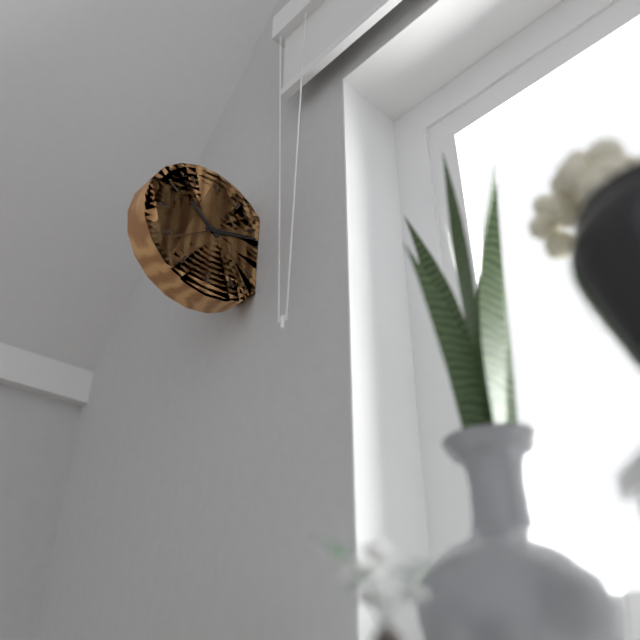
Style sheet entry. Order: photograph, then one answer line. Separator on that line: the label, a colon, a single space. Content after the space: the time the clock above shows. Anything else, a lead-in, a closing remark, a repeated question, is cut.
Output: 10:12
